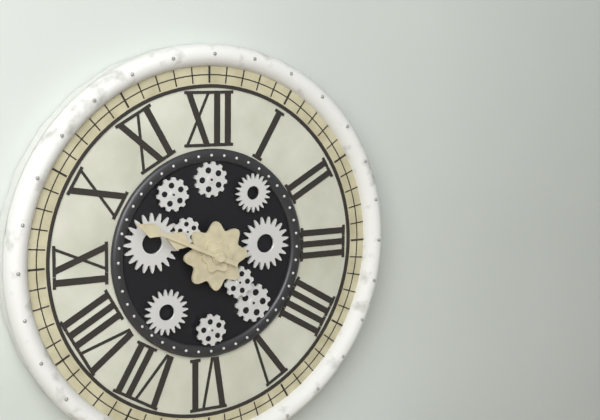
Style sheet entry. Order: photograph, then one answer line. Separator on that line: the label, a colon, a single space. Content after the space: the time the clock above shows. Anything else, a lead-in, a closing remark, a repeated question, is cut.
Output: 9:49
